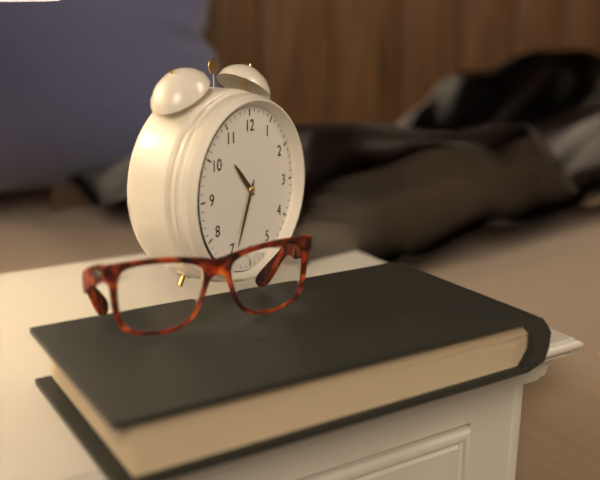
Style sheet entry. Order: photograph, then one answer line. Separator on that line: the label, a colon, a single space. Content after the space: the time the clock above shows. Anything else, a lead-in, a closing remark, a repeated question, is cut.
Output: 10:34
